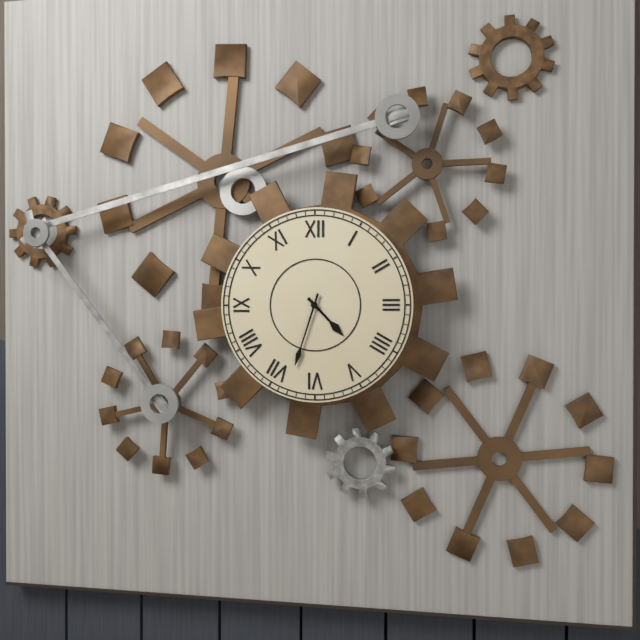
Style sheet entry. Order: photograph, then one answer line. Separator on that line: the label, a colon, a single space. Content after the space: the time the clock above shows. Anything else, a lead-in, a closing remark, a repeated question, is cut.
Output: 4:33
